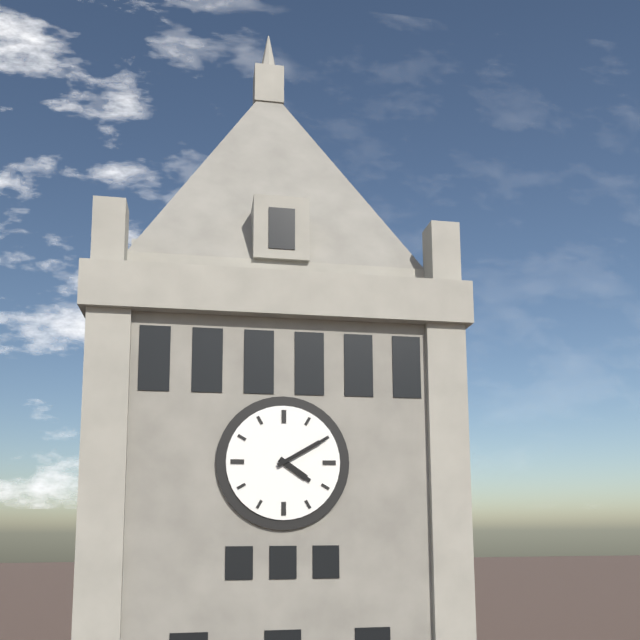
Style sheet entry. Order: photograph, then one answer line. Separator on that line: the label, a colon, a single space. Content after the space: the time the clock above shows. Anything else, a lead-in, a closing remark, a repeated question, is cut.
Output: 4:10
